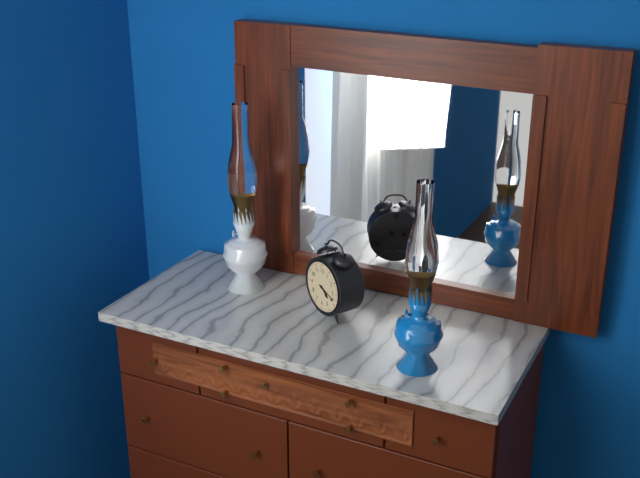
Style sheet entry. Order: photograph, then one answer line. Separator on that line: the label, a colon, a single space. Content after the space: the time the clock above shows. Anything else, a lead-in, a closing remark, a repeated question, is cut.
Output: 4:18
